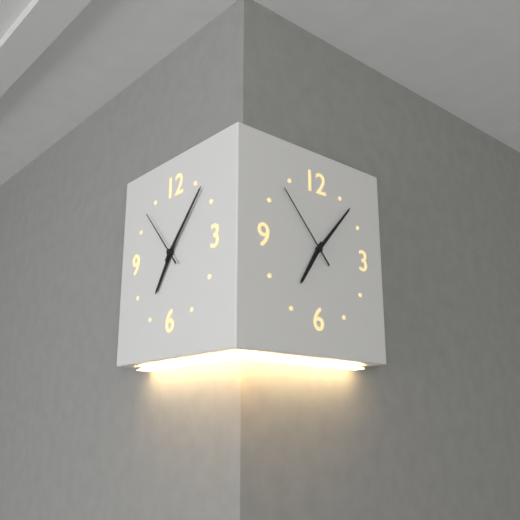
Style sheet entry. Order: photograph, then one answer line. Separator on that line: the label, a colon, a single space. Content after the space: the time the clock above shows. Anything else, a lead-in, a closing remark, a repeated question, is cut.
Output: 7:07:53
